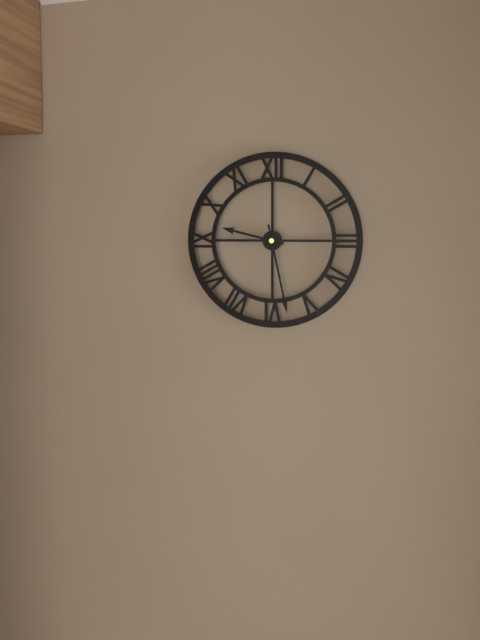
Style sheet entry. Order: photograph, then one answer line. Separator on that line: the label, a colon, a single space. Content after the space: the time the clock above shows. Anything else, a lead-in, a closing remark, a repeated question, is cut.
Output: 9:28
